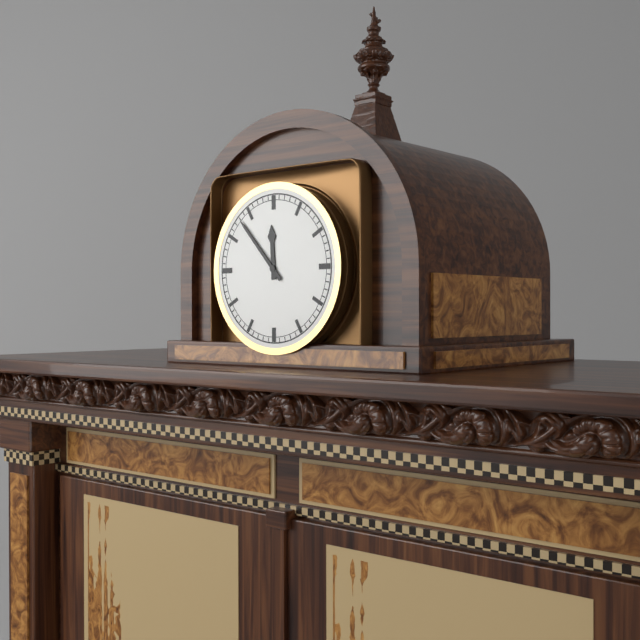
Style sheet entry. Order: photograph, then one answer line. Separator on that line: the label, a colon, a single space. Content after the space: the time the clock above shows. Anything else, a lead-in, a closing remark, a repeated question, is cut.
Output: 11:53
